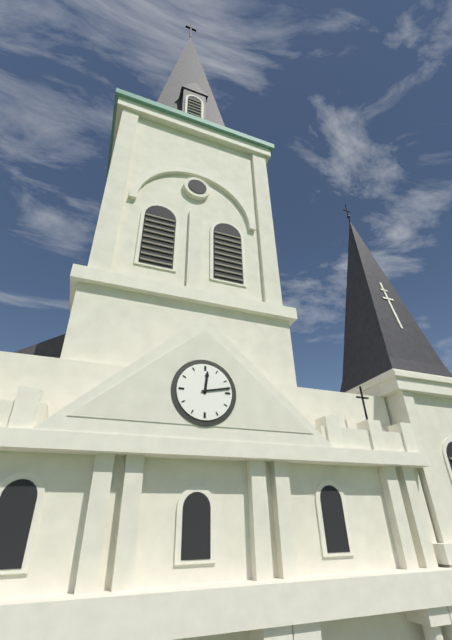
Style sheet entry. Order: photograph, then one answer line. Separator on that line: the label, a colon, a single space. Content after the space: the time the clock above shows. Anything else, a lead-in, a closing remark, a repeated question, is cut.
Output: 12:13
